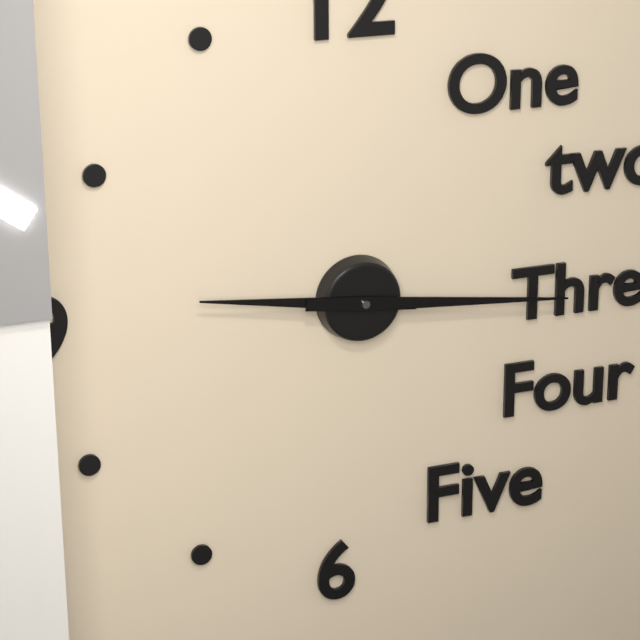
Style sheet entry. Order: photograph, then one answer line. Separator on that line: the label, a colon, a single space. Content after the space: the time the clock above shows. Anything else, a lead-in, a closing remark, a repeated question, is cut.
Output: 9:16
